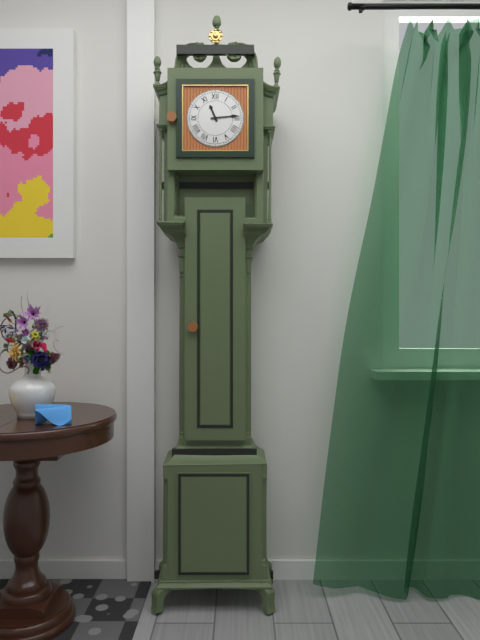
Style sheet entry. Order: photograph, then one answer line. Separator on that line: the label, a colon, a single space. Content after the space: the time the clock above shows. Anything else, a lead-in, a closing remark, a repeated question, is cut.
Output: 11:14
